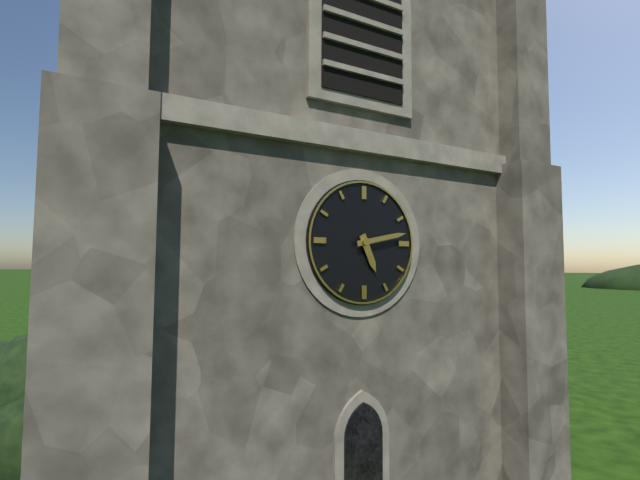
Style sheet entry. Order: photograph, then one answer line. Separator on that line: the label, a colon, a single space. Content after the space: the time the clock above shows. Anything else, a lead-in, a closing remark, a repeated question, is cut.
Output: 5:13
